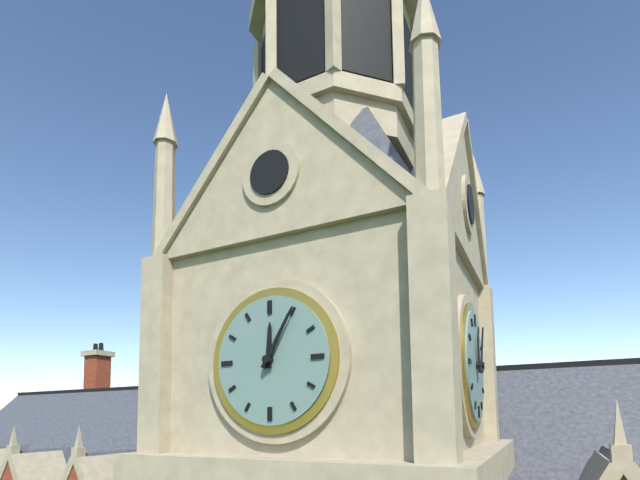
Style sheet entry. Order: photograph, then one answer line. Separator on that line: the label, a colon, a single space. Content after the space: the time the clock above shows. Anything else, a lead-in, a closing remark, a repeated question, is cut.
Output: 12:05
